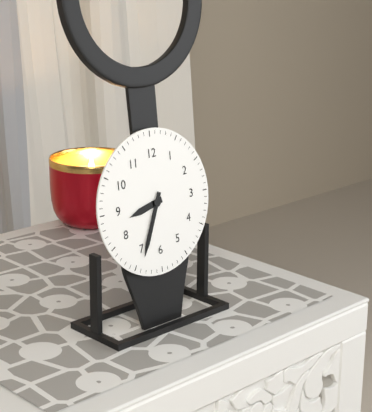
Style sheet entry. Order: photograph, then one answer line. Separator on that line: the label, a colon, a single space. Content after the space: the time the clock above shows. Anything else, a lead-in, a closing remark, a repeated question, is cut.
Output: 8:34
